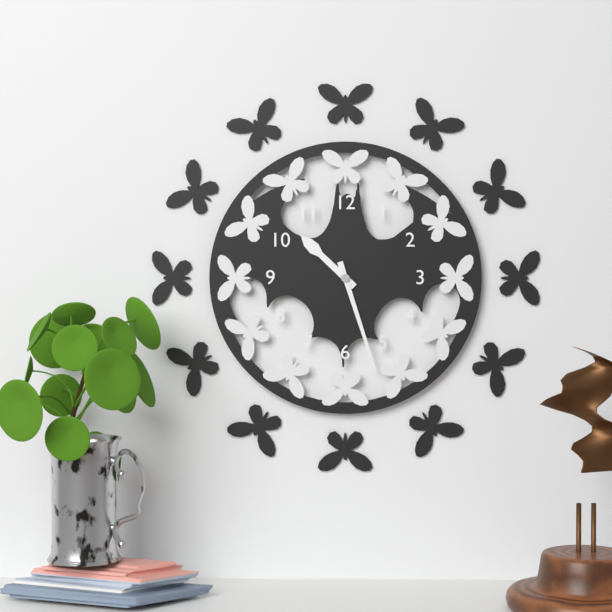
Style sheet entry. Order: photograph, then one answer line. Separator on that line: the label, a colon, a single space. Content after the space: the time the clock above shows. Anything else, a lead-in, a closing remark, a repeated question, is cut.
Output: 10:27
